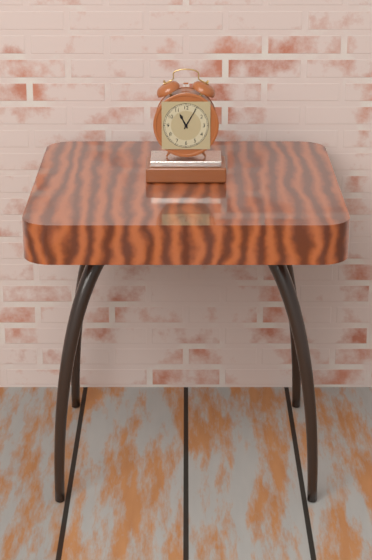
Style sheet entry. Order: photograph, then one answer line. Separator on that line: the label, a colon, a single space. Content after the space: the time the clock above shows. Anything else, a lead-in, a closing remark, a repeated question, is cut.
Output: 11:05
